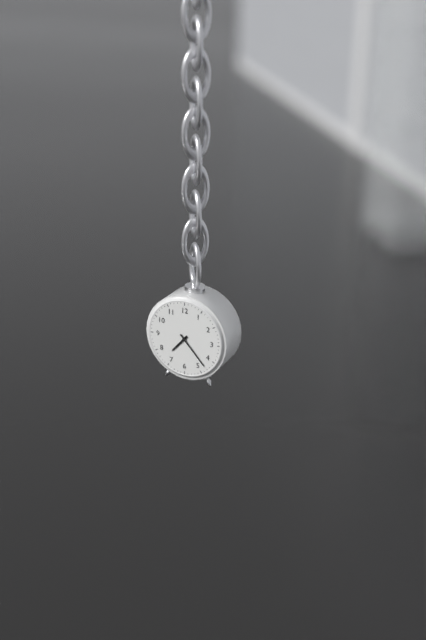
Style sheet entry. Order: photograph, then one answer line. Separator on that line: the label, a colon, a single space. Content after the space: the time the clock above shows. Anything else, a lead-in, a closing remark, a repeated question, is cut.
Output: 7:23
